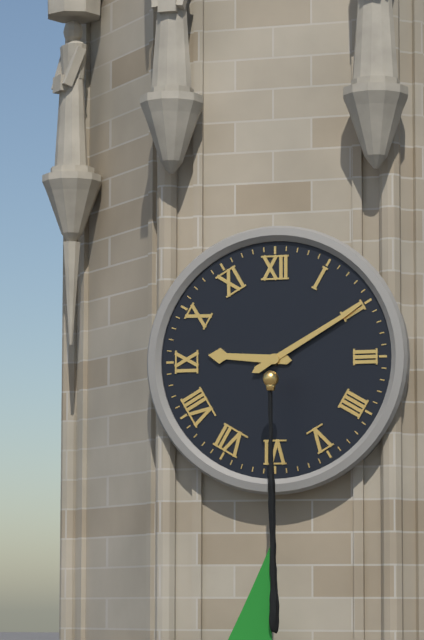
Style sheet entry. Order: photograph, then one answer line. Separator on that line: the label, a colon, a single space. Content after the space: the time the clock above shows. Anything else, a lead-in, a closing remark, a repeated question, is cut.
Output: 9:10
